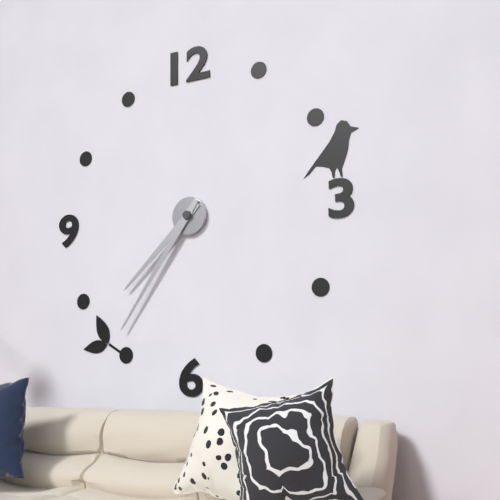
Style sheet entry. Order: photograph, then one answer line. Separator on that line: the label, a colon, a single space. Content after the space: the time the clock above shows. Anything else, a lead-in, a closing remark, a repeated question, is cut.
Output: 7:36
